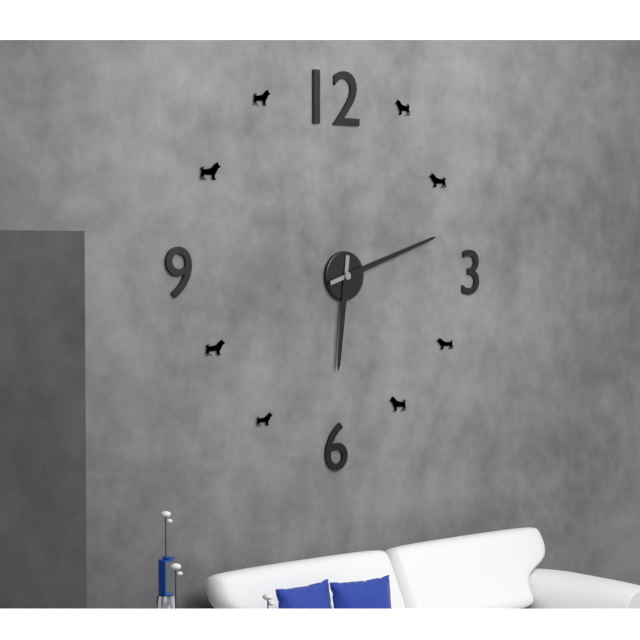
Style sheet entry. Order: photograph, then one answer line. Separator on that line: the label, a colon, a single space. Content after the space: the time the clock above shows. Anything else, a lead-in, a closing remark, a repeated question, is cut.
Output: 6:12
